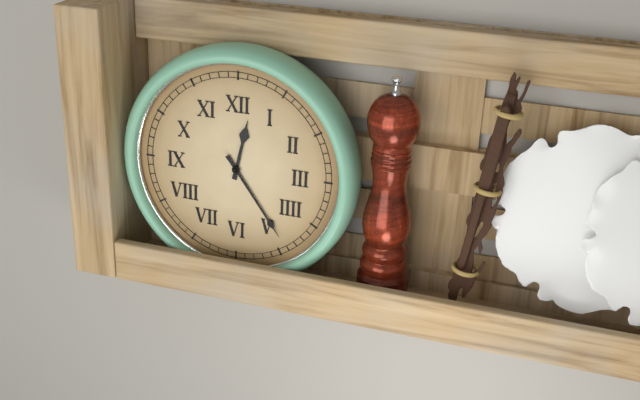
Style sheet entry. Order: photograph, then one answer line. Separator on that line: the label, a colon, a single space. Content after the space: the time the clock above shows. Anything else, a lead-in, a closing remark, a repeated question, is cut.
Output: 12:24
